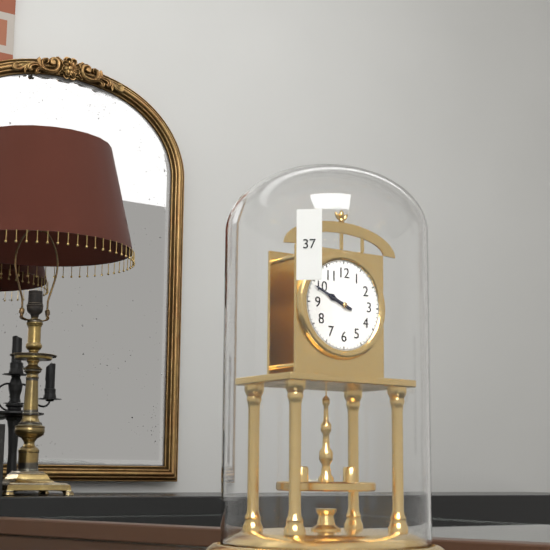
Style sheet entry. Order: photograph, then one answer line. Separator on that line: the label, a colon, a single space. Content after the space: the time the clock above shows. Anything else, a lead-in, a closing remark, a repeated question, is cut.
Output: 9:49
